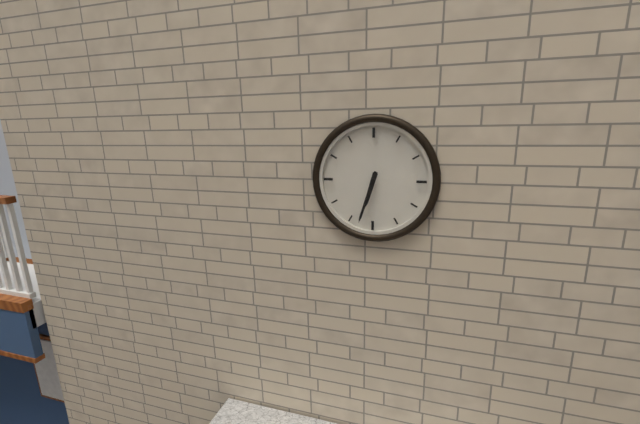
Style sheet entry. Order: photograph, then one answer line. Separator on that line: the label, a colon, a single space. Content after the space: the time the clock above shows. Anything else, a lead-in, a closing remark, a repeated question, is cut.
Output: 6:33
